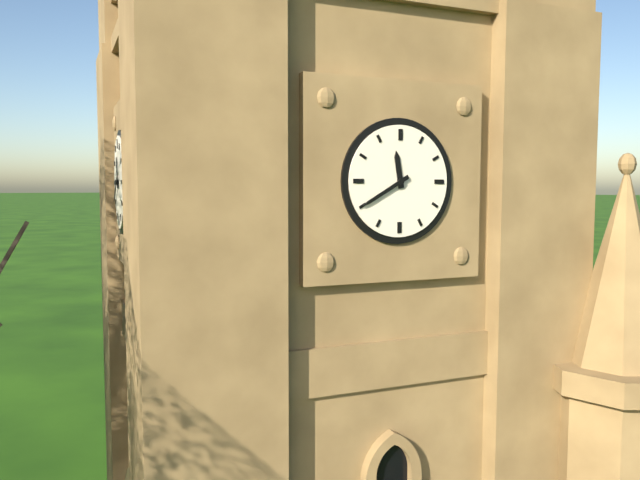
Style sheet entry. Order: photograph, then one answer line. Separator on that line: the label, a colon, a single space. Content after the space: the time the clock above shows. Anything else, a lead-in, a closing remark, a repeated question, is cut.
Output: 11:40
